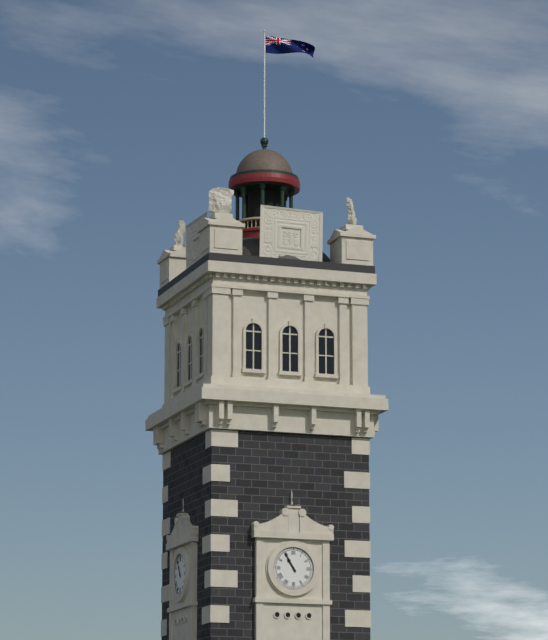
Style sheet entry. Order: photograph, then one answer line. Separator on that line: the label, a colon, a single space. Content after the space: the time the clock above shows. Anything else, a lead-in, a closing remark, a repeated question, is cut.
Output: 10:55
